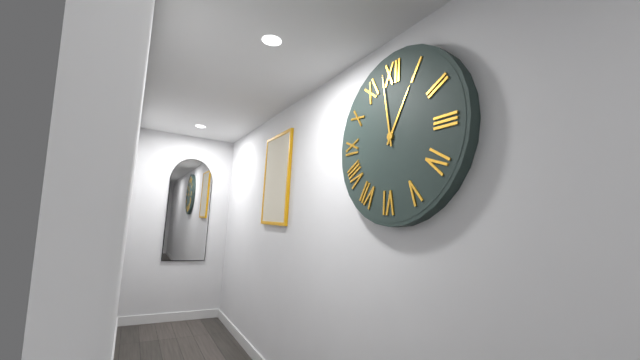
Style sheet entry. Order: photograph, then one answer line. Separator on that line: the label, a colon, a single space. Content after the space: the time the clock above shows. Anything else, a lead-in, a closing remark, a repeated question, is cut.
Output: 12:58
